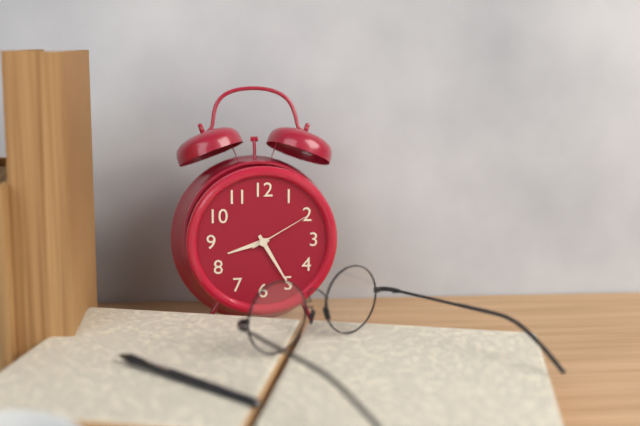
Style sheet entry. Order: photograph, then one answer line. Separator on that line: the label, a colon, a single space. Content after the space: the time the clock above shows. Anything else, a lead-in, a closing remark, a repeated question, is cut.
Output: 8:25:10
